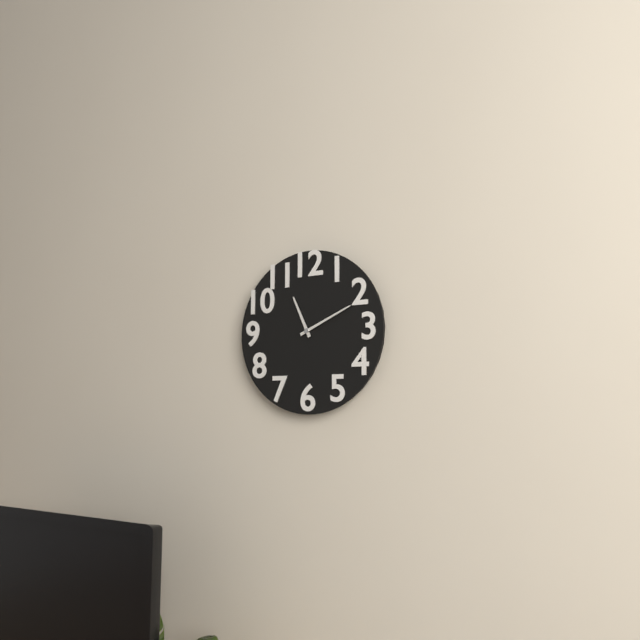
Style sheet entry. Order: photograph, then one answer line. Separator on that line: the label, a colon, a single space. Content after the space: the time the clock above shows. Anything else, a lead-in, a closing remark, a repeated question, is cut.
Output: 11:11
